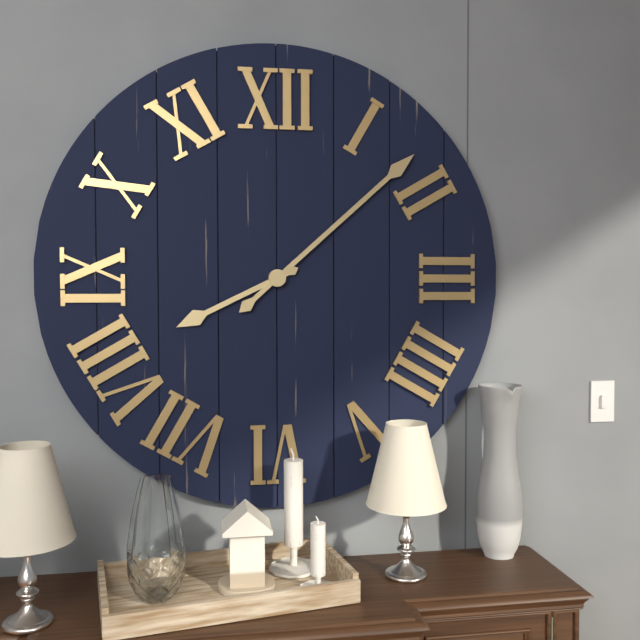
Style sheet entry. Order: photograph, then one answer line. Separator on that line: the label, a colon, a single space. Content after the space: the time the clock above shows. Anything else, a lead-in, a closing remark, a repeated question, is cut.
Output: 8:08
